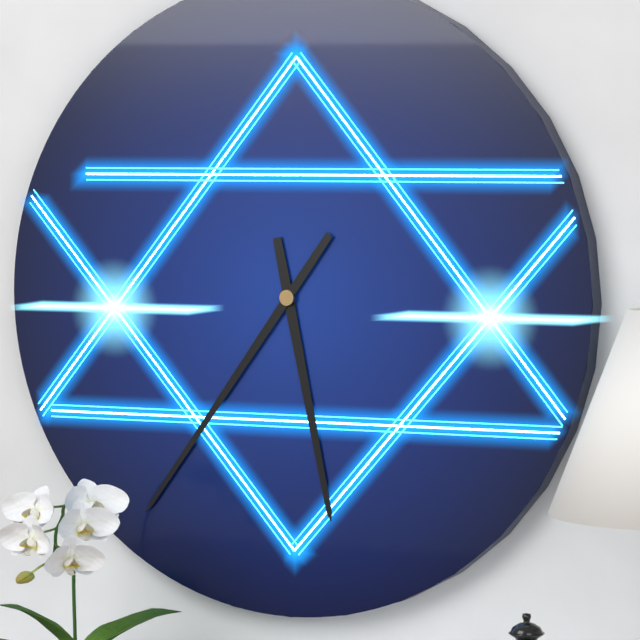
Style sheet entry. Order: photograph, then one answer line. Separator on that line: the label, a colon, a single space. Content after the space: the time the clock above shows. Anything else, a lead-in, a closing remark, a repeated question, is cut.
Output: 5:36
